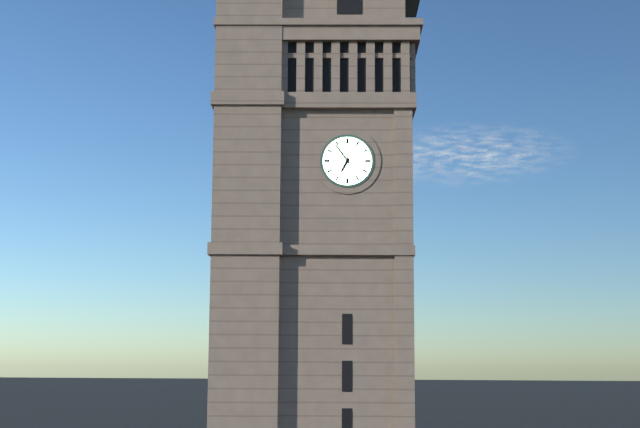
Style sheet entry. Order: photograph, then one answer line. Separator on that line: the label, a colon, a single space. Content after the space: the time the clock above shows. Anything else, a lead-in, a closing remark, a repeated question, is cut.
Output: 6:54
